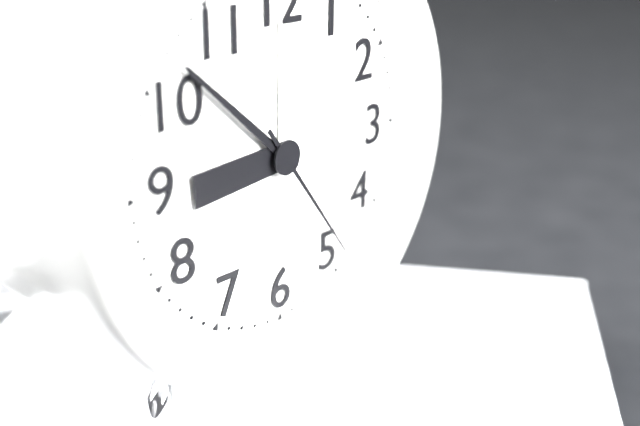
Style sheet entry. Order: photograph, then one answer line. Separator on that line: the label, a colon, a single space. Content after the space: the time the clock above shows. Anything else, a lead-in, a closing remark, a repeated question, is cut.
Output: 8:52:24
